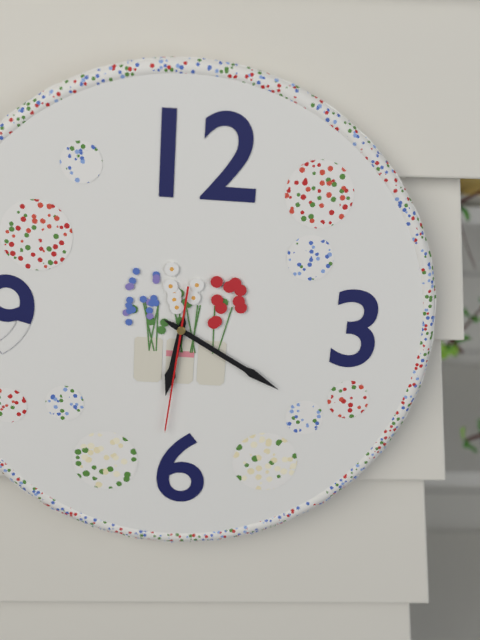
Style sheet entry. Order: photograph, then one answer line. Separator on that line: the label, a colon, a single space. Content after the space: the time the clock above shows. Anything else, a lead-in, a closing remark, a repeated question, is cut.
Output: 6:20:31
